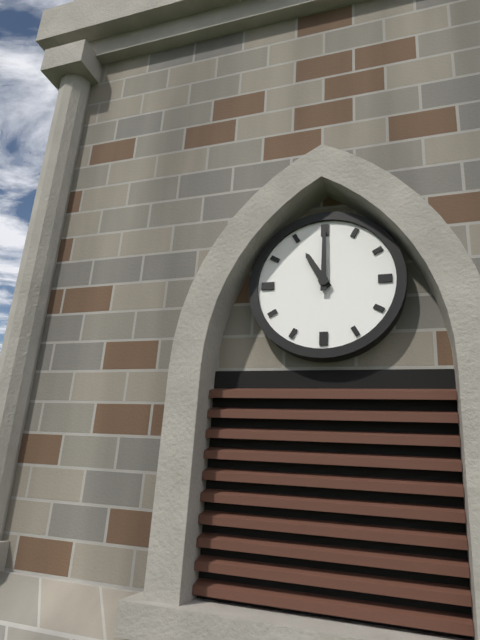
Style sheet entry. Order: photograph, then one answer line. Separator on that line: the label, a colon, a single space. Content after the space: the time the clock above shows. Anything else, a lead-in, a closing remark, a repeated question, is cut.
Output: 11:00
